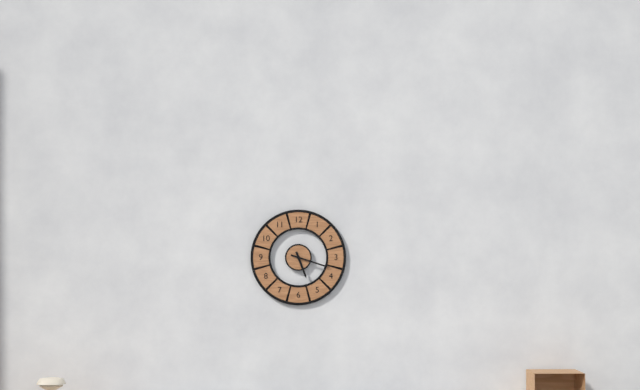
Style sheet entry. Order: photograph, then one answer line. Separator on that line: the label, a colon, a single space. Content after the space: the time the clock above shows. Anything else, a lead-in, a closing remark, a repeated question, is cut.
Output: 5:18
